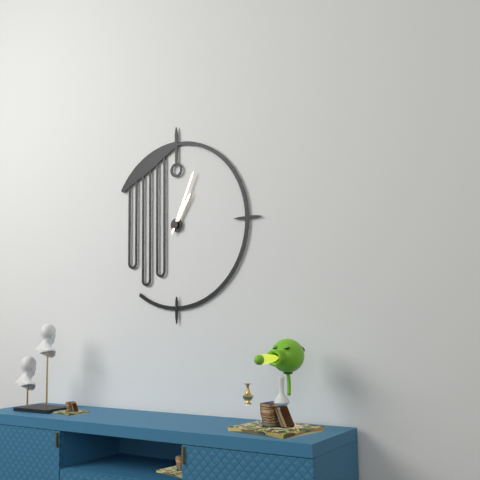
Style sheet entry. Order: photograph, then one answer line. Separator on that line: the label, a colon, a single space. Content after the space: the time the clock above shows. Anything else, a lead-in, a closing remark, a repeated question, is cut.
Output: 1:04
